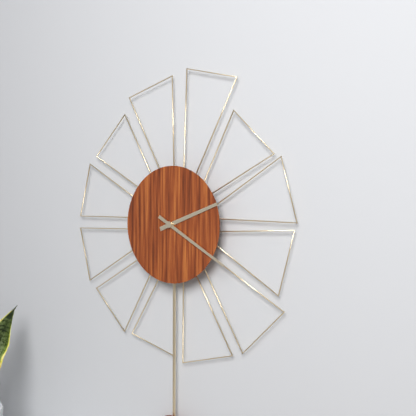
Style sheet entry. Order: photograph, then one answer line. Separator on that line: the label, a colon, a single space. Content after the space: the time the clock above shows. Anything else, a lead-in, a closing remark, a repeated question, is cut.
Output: 2:20
